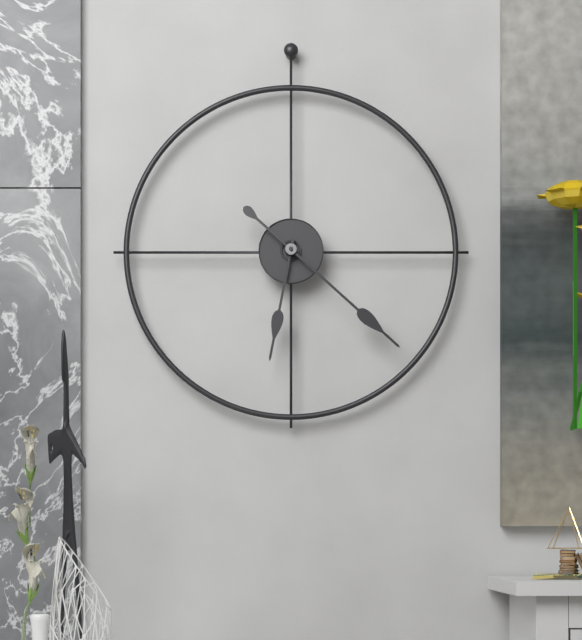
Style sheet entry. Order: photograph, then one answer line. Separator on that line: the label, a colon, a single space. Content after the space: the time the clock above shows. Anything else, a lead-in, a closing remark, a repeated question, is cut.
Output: 6:22
